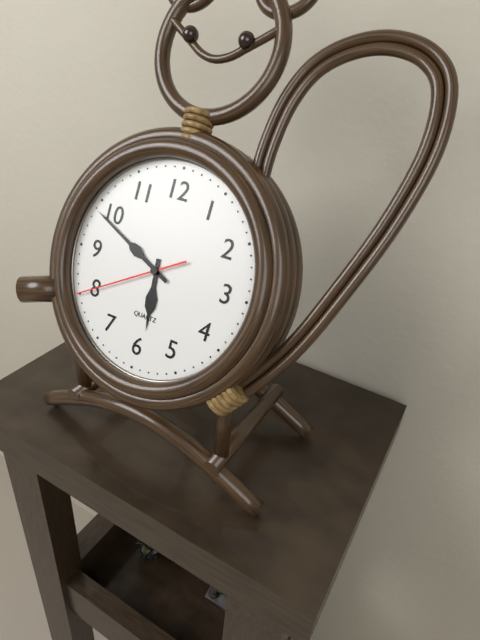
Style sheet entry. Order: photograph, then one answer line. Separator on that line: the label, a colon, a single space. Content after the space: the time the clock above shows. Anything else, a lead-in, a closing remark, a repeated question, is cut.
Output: 5:49:40
